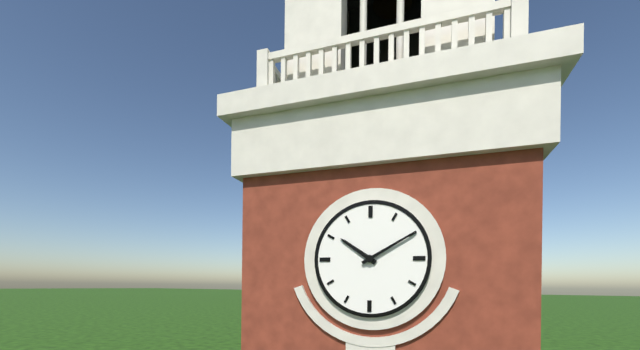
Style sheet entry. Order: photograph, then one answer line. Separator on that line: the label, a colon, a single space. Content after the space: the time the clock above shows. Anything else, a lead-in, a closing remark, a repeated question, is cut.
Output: 10:10
